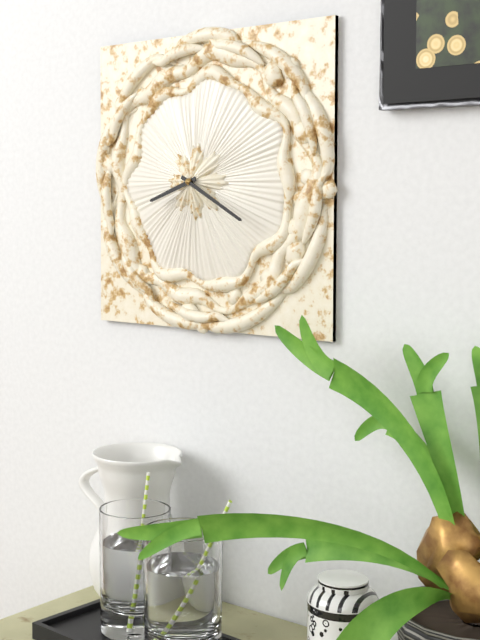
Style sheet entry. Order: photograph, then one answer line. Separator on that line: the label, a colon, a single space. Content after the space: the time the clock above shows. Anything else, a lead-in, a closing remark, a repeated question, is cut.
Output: 8:20
